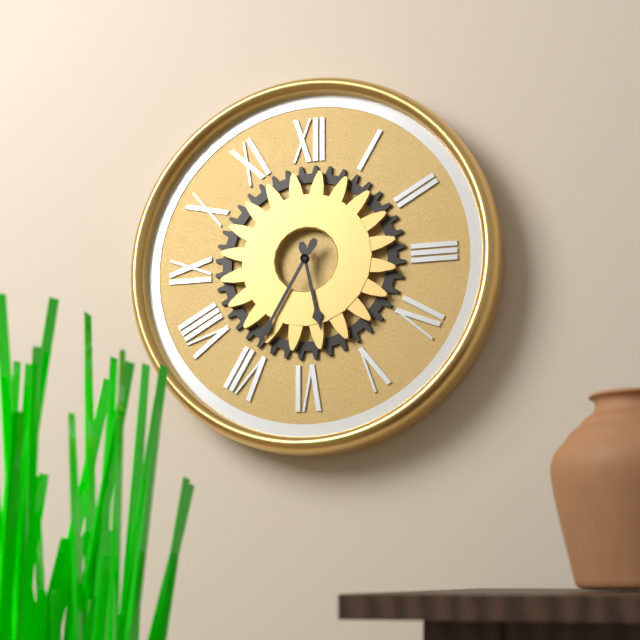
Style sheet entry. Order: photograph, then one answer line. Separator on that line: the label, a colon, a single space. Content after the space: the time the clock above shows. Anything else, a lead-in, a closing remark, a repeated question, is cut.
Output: 5:35
